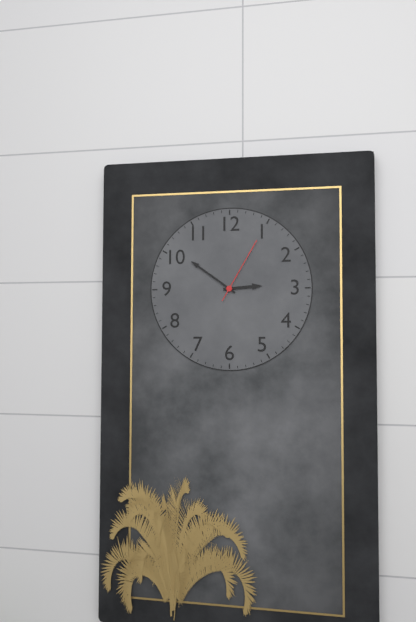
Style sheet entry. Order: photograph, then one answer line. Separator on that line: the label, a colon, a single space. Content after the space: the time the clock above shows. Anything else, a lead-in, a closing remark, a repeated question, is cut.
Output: 2:51:05
